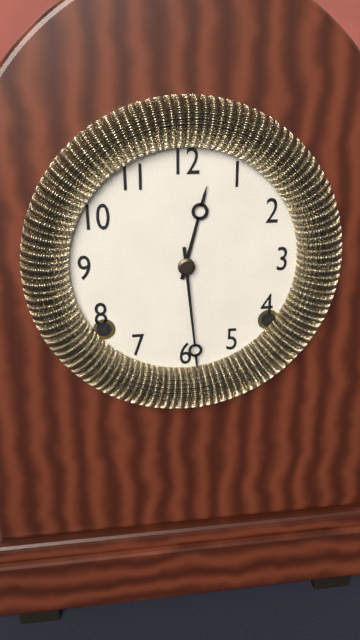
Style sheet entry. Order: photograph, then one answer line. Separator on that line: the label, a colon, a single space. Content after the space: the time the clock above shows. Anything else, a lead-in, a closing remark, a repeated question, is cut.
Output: 12:29
